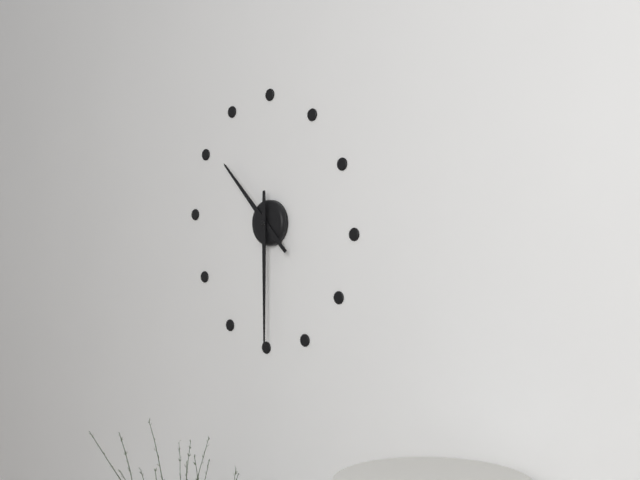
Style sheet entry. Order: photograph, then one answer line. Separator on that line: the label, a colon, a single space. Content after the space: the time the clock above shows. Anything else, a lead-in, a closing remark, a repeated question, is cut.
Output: 10:30
